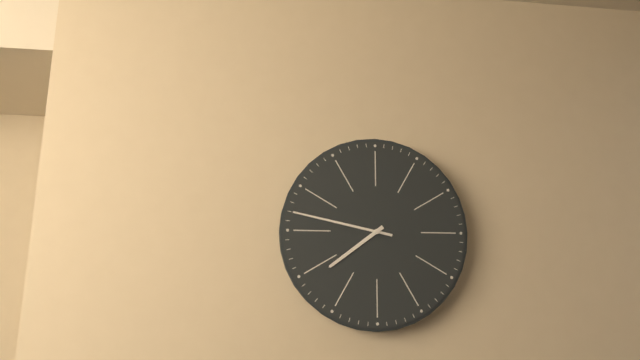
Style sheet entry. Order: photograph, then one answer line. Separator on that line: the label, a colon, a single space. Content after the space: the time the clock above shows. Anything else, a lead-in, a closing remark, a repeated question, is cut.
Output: 7:47
